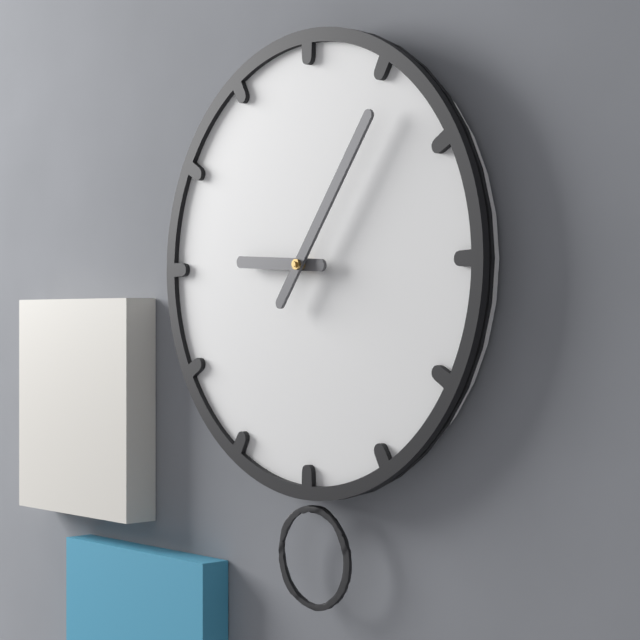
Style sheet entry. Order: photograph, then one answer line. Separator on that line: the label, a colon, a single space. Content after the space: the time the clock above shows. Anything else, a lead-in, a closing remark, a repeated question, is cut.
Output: 9:06
